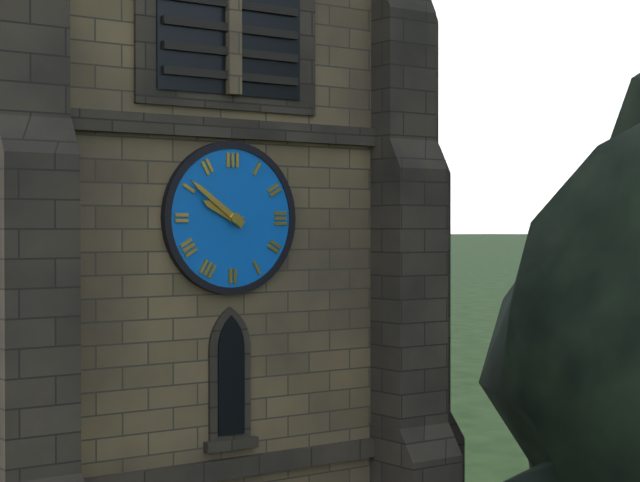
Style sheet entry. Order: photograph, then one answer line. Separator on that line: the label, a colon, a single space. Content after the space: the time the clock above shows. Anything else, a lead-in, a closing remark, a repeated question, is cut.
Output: 9:51
